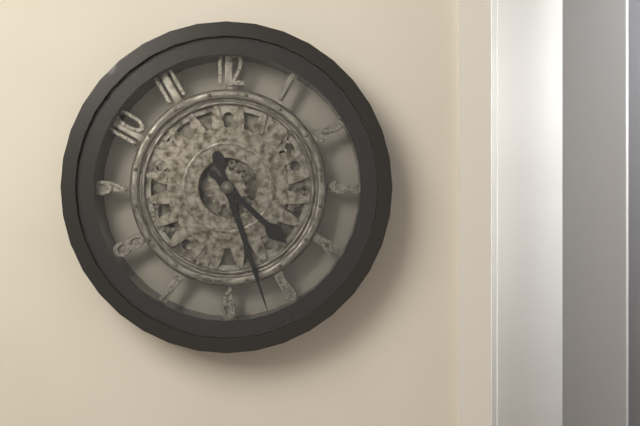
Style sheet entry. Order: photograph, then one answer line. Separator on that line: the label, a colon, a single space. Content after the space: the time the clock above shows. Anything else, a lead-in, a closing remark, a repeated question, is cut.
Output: 4:27
